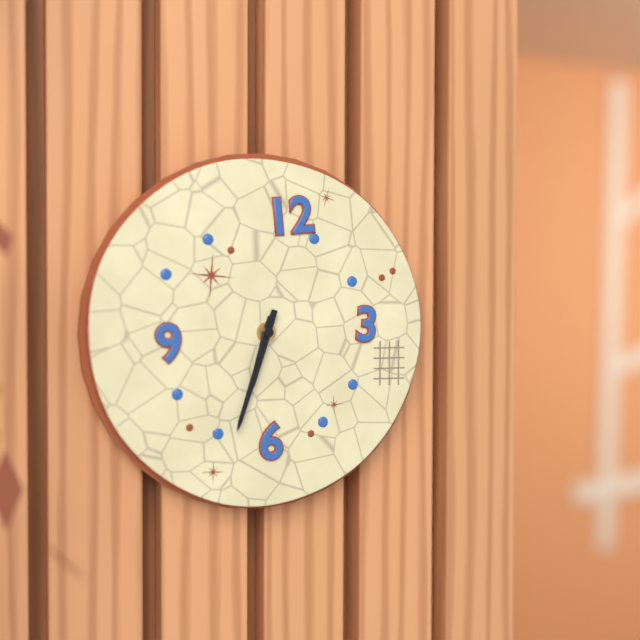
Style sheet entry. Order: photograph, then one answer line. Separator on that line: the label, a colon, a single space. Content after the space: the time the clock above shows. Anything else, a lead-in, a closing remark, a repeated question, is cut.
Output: 6:33
